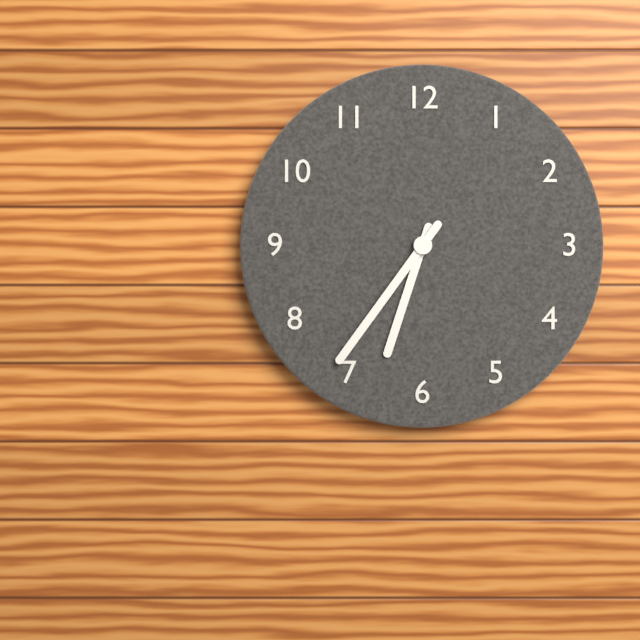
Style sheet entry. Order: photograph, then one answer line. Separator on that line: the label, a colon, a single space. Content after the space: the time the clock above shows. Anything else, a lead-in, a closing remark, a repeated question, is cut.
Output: 6:36
